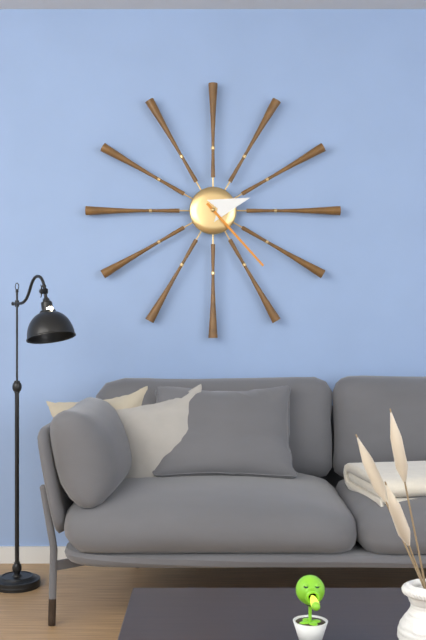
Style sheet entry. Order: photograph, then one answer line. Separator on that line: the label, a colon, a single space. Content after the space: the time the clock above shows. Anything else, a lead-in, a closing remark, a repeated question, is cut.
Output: 2:23
